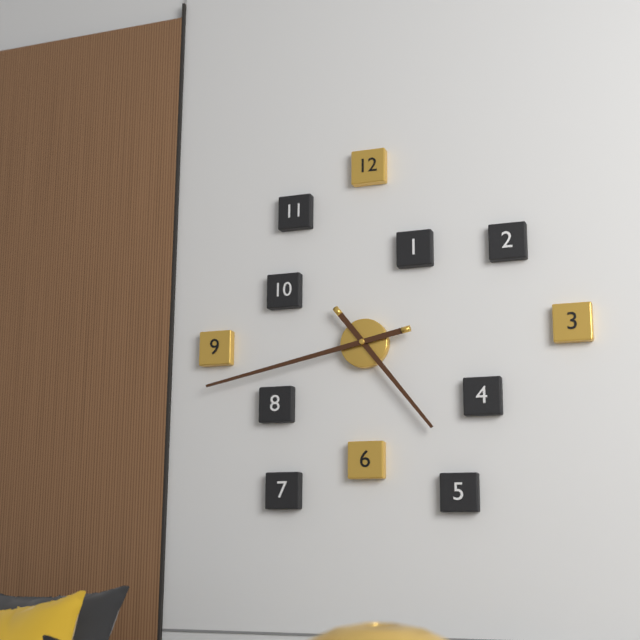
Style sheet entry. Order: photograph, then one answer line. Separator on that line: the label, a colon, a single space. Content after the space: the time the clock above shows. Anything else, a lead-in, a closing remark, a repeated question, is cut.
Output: 4:43
